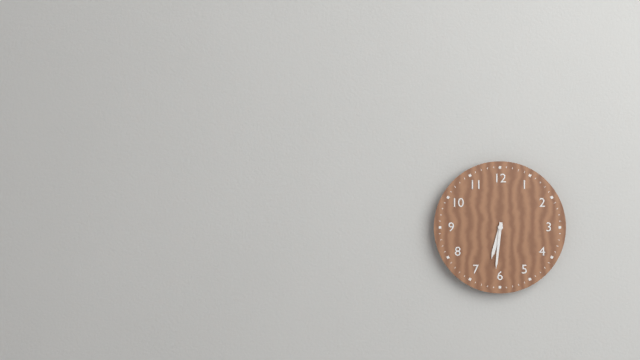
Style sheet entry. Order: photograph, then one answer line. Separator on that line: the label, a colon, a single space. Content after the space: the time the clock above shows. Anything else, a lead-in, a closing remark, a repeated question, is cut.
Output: 6:31
